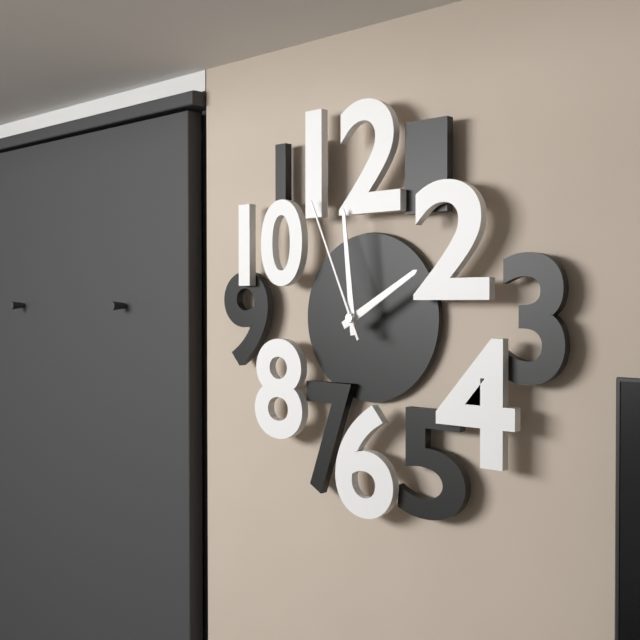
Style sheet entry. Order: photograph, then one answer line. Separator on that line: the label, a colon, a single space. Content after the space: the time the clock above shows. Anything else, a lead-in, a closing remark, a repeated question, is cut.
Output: 1:59:56
